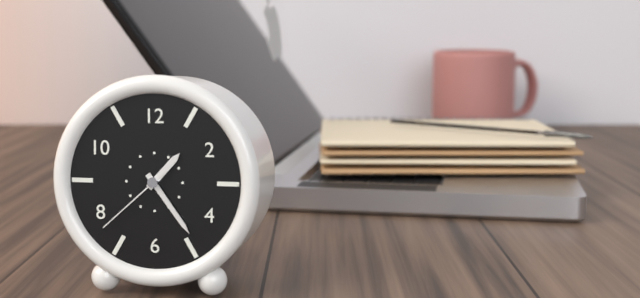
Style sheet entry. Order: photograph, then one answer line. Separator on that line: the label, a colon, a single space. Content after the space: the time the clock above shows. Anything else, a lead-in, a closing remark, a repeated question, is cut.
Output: 1:24:38
